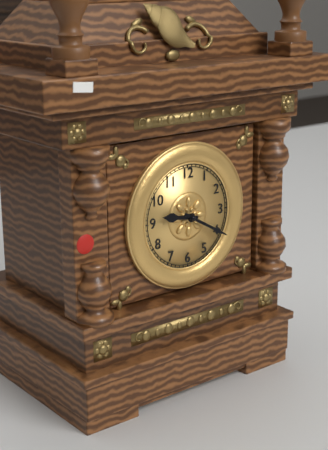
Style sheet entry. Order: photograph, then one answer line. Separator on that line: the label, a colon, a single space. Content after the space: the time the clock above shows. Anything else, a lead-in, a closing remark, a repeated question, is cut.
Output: 9:20
